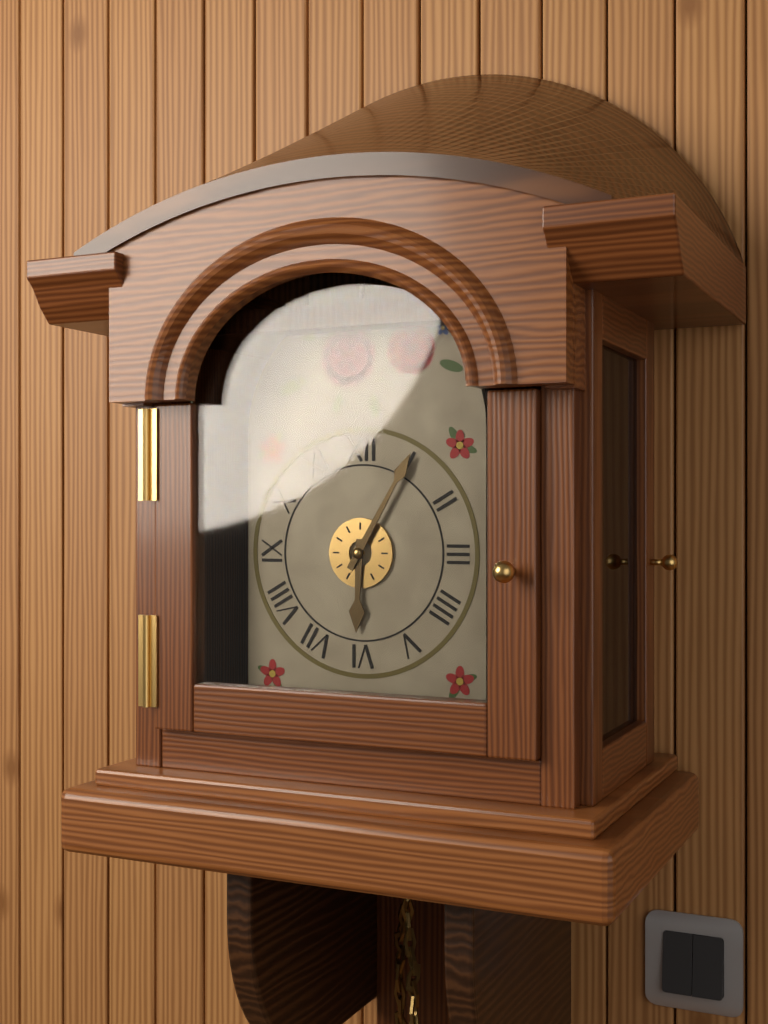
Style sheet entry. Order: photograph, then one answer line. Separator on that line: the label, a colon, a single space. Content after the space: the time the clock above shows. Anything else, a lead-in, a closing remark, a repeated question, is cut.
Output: 6:05
